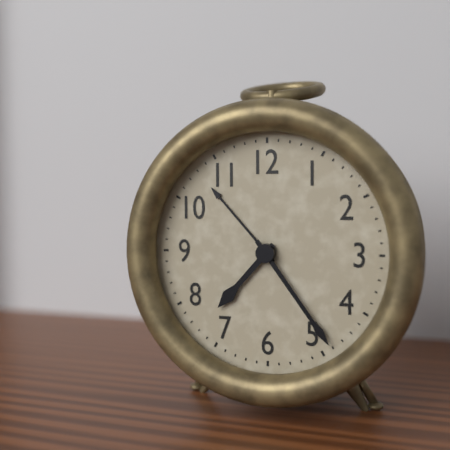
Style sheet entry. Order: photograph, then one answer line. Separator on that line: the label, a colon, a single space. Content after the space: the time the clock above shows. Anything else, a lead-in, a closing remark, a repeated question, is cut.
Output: 7:24
